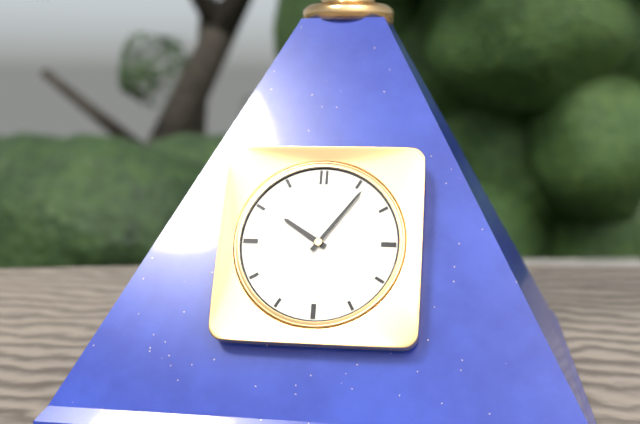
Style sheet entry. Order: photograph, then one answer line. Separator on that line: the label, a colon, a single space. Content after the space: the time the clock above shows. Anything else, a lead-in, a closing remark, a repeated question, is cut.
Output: 10:06
